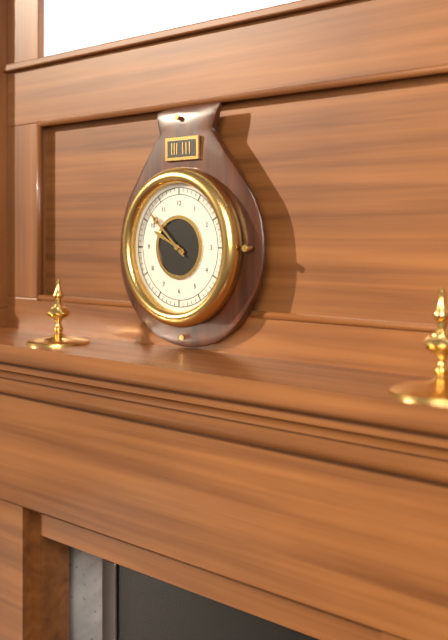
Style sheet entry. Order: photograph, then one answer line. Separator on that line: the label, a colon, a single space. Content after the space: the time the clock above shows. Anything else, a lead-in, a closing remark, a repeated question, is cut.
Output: 9:52
